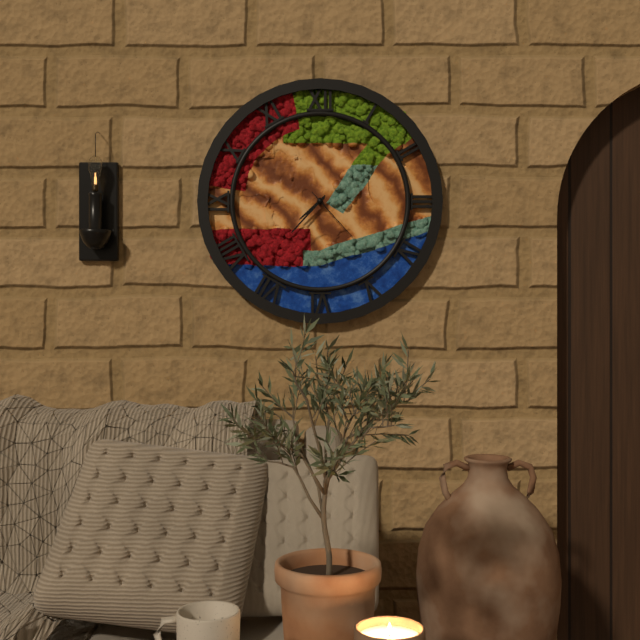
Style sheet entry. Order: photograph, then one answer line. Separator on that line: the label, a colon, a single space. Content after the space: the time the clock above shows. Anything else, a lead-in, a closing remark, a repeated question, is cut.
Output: 7:37:23
